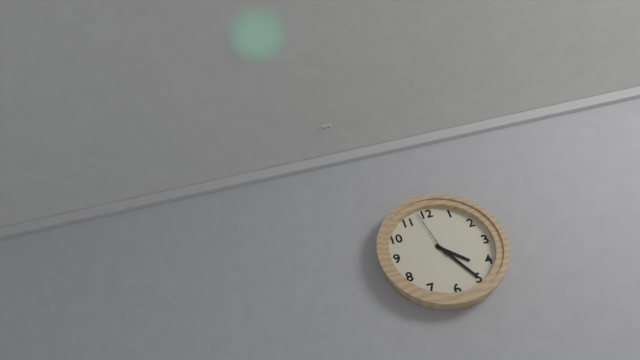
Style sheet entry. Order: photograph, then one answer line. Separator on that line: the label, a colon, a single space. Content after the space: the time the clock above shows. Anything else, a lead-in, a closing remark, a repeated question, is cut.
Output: 4:25:58
